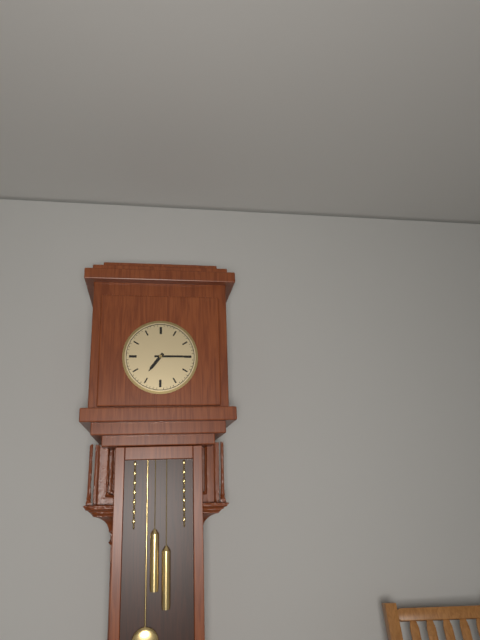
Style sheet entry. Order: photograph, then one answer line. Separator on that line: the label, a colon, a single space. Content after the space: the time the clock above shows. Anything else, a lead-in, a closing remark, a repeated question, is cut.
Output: 7:15
